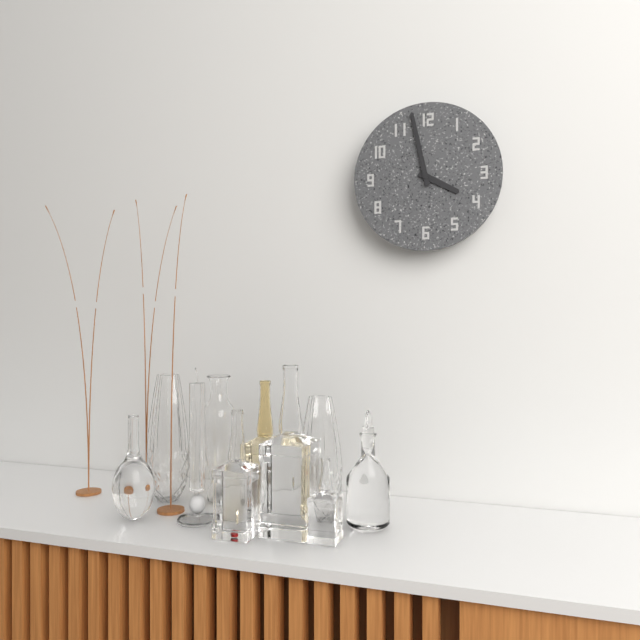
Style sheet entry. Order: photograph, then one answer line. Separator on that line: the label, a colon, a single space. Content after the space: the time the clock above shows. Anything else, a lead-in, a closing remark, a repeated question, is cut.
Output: 3:58
